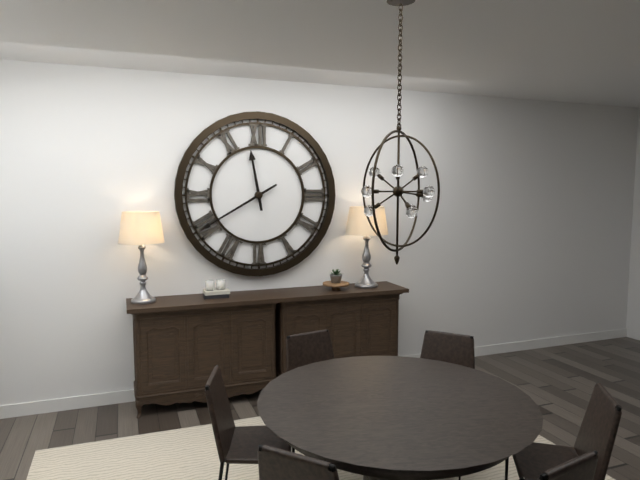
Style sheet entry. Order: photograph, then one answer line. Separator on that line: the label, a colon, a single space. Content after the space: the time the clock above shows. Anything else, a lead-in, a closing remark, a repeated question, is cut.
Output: 11:40
